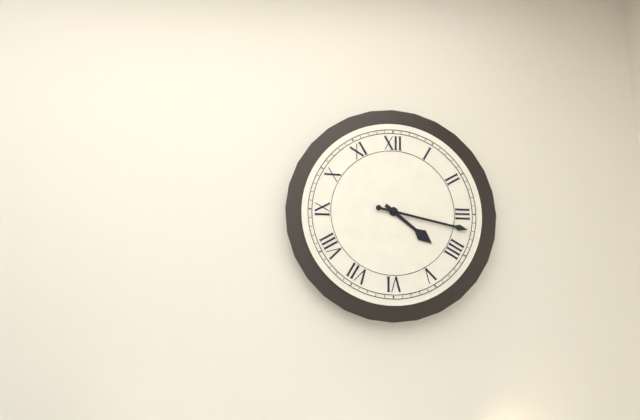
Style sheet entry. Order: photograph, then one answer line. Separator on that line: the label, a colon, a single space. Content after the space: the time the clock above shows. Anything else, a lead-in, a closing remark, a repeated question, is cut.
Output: 4:17
